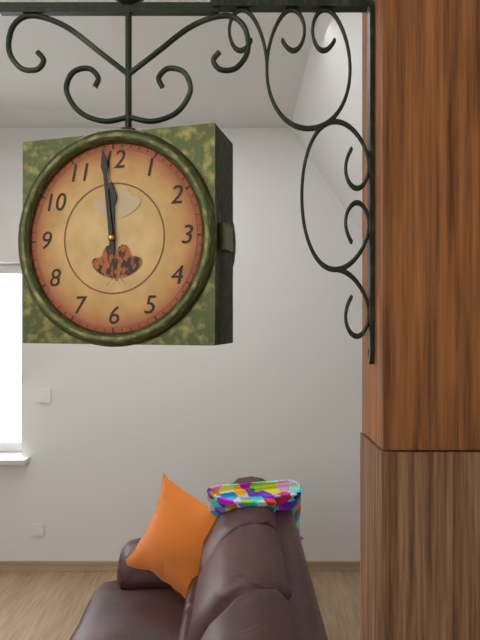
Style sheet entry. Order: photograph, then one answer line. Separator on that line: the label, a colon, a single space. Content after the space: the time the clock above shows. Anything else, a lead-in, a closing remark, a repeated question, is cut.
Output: 11:59
